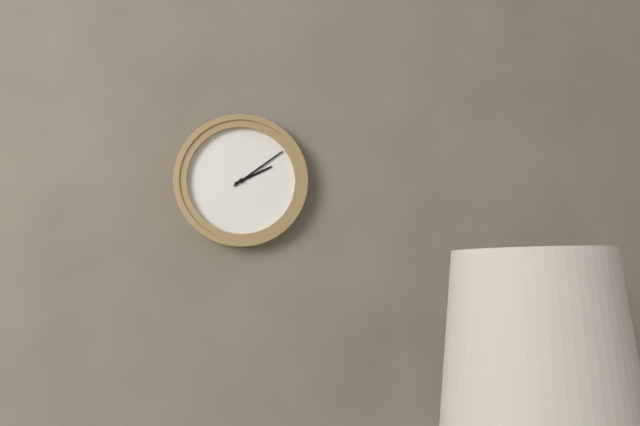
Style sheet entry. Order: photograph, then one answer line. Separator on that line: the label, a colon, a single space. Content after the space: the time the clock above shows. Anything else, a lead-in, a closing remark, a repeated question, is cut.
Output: 2:09
